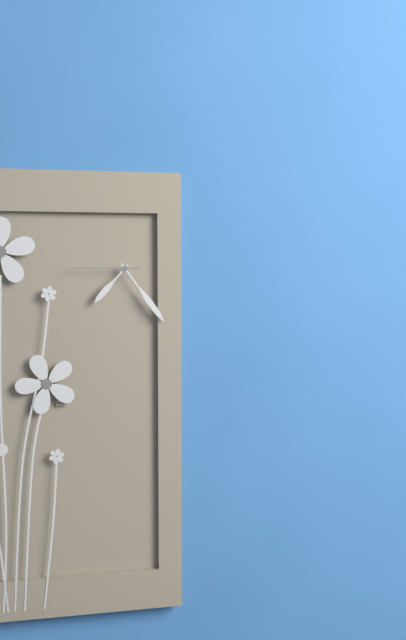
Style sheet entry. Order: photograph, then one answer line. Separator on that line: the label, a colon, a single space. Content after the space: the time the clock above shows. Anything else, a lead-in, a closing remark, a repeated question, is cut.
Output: 7:24:45
